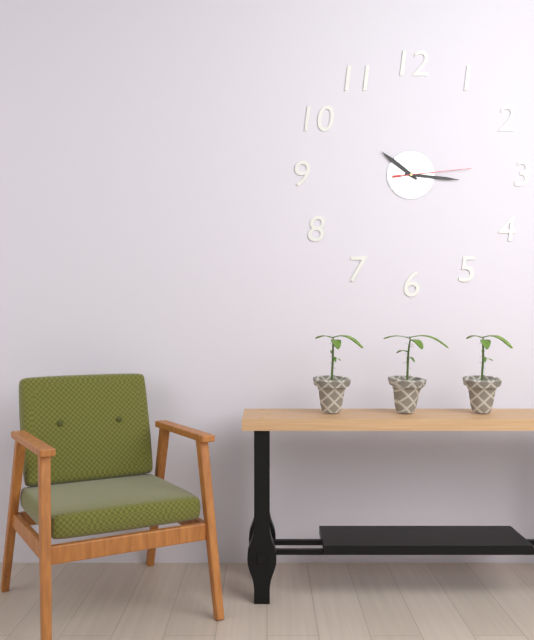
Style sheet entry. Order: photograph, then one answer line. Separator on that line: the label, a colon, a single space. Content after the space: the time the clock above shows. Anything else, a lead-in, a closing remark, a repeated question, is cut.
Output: 10:16:14
